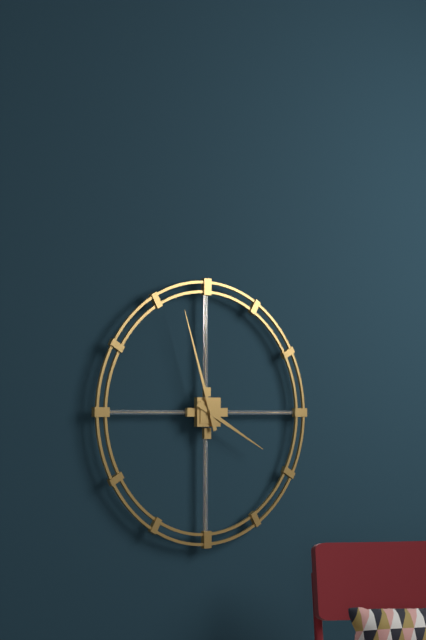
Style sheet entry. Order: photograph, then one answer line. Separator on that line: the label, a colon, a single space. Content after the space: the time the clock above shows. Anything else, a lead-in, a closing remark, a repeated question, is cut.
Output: 3:57
